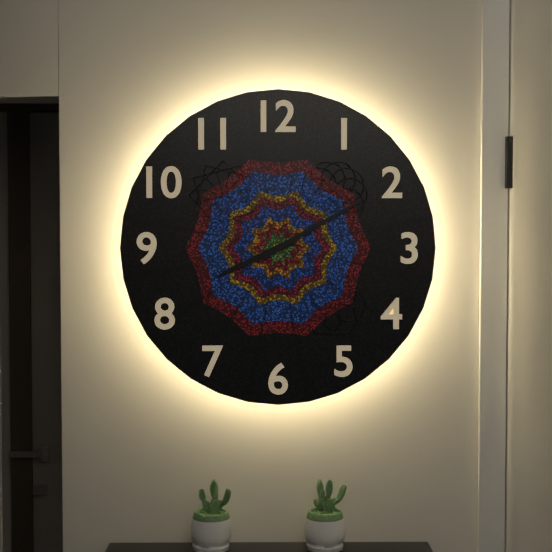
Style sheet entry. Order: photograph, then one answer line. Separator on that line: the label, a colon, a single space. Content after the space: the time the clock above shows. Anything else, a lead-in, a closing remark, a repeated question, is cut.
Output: 8:10
